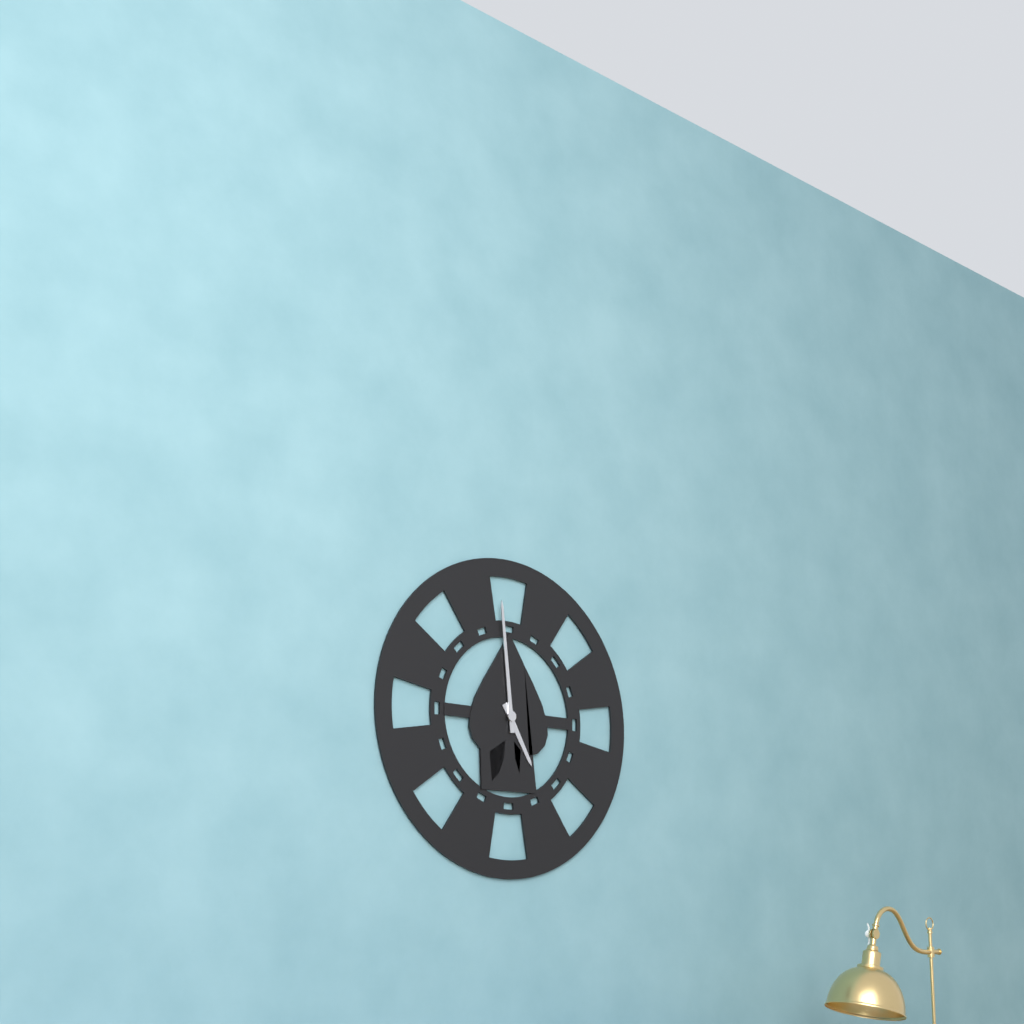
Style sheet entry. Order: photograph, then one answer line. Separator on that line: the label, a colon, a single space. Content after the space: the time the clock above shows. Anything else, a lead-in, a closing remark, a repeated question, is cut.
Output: 4:59
